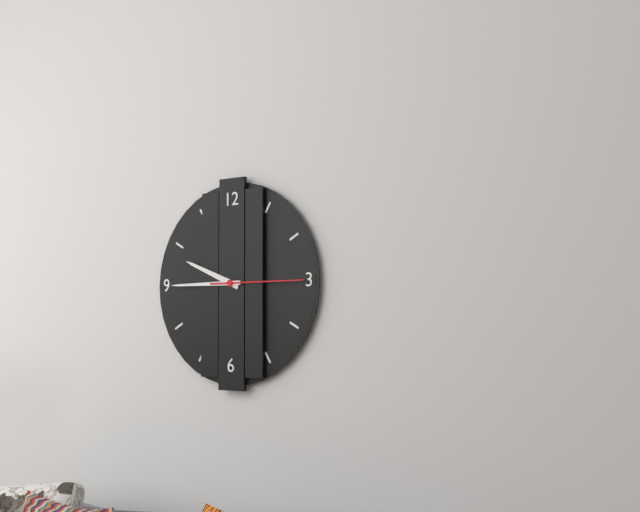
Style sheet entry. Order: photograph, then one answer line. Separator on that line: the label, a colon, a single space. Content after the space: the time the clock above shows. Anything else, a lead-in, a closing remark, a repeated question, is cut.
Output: 9:45:15
